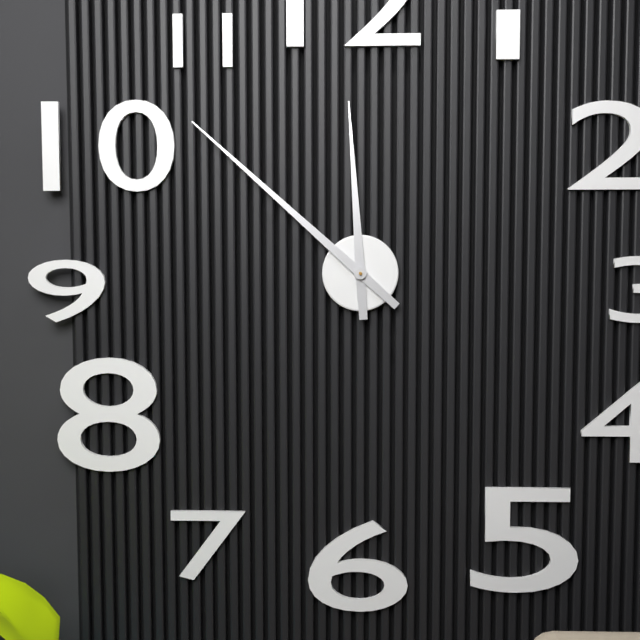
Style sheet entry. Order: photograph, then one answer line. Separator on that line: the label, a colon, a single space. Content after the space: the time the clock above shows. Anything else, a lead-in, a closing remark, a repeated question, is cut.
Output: 11:52
